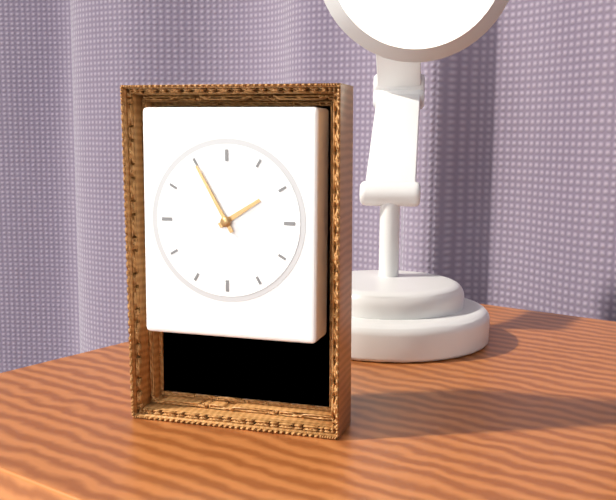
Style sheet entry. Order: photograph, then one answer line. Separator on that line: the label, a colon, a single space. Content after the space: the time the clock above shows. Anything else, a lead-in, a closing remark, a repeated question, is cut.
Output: 1:55
